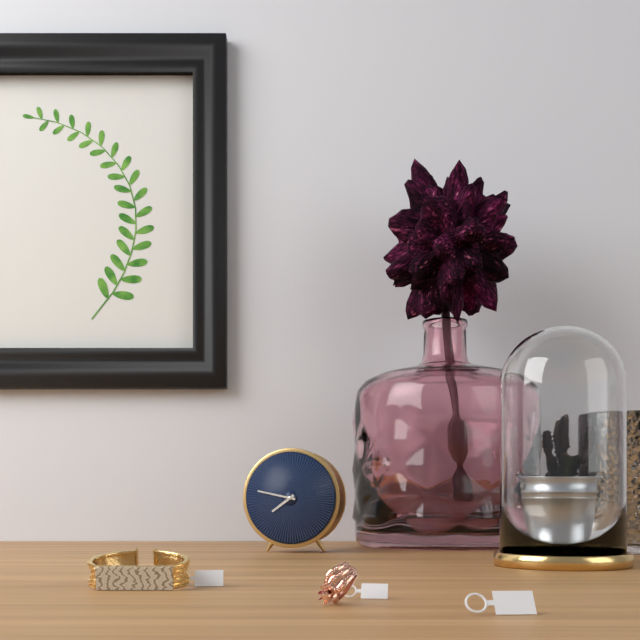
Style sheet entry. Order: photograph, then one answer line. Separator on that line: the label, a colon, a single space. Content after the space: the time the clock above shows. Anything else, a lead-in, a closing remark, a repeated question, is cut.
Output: 7:47
